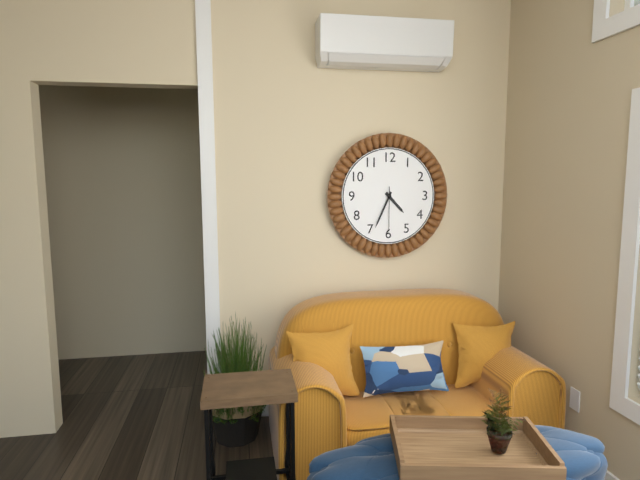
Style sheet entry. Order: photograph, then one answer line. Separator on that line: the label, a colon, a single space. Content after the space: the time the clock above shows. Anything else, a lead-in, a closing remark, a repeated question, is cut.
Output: 4:34
